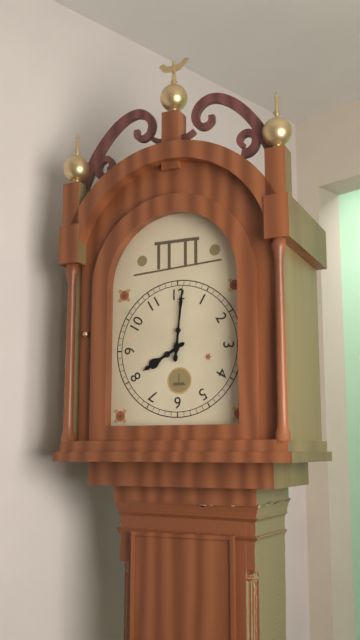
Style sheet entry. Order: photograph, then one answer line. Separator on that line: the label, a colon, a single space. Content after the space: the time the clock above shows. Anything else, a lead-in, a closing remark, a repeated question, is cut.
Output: 8:01
